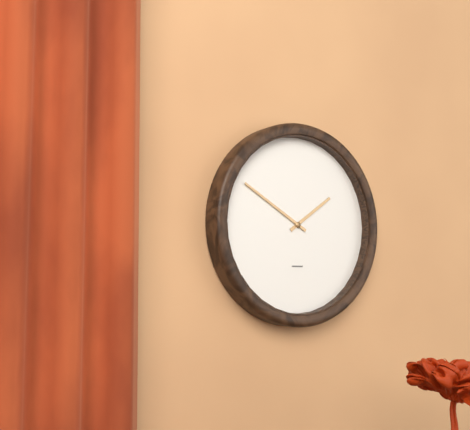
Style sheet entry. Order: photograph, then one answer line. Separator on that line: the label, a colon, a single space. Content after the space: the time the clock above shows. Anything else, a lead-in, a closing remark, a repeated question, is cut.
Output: 1:50
